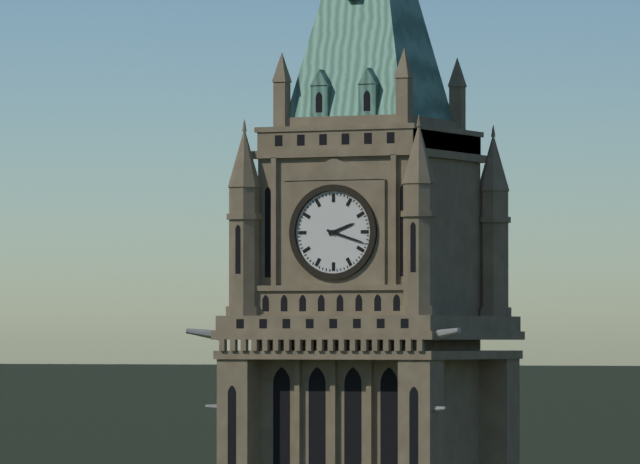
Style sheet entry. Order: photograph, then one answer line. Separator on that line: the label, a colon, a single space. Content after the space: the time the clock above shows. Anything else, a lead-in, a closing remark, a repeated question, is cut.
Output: 2:18
